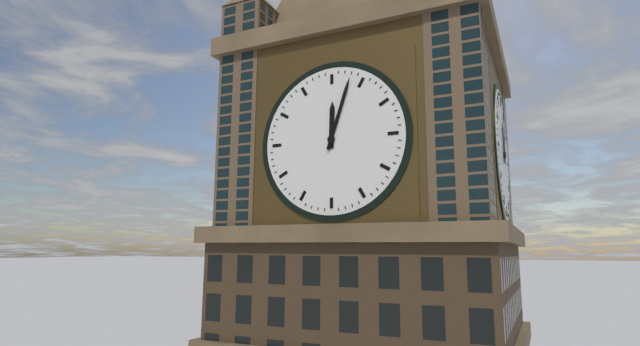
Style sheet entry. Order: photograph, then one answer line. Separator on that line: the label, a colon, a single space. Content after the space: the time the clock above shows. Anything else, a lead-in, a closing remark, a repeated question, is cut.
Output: 12:03
